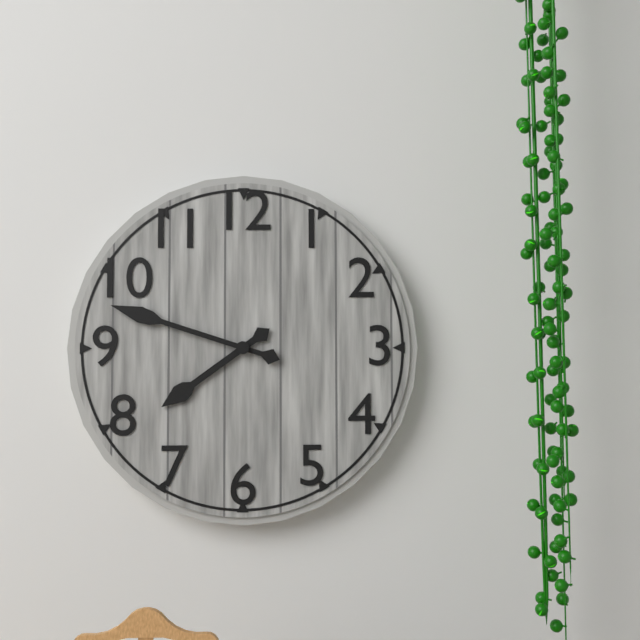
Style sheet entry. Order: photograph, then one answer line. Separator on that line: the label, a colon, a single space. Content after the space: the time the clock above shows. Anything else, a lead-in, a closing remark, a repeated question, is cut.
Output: 7:48
